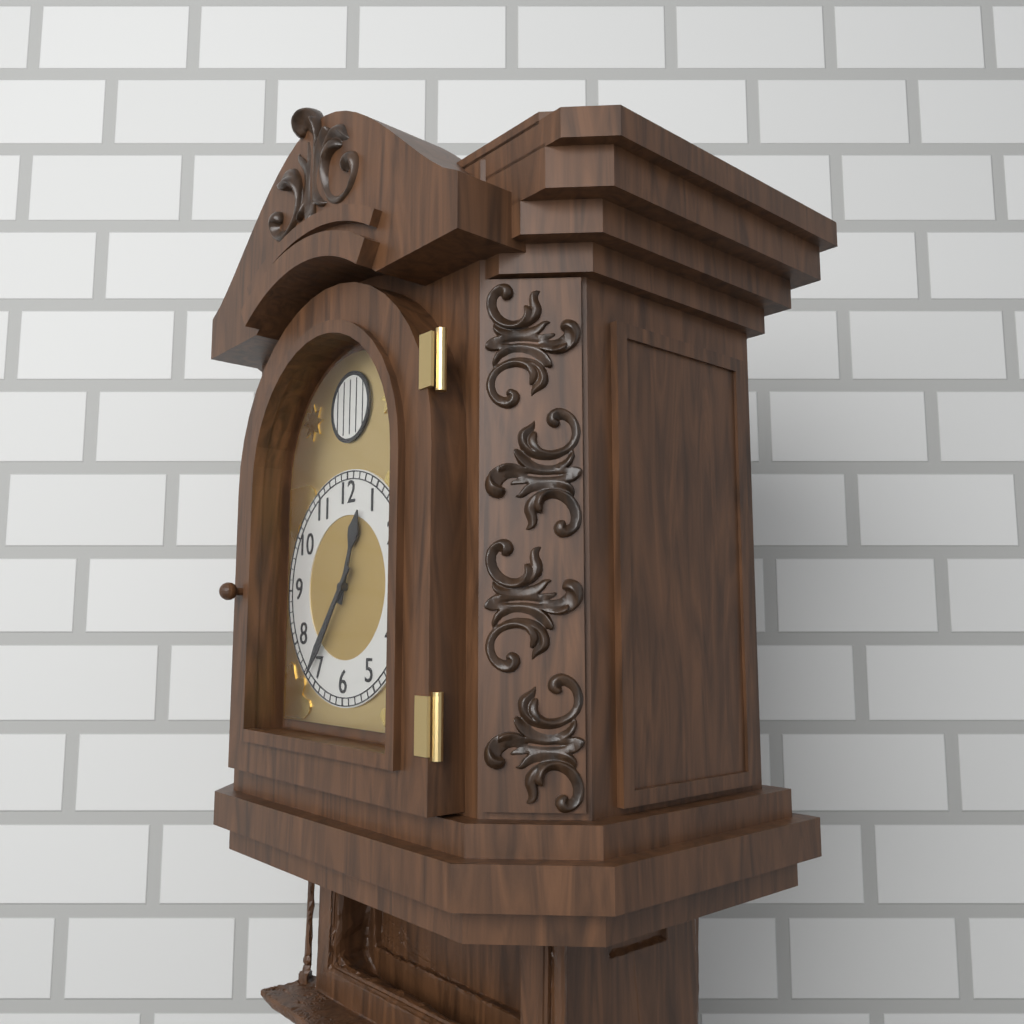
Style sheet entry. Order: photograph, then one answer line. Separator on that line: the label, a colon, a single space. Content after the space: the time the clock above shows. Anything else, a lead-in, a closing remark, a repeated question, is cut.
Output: 12:36
